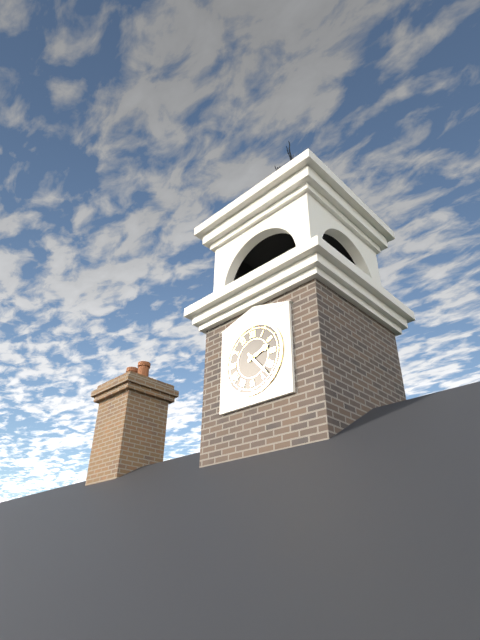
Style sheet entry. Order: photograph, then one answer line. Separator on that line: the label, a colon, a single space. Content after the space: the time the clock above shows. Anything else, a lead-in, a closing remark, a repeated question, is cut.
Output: 2:23
